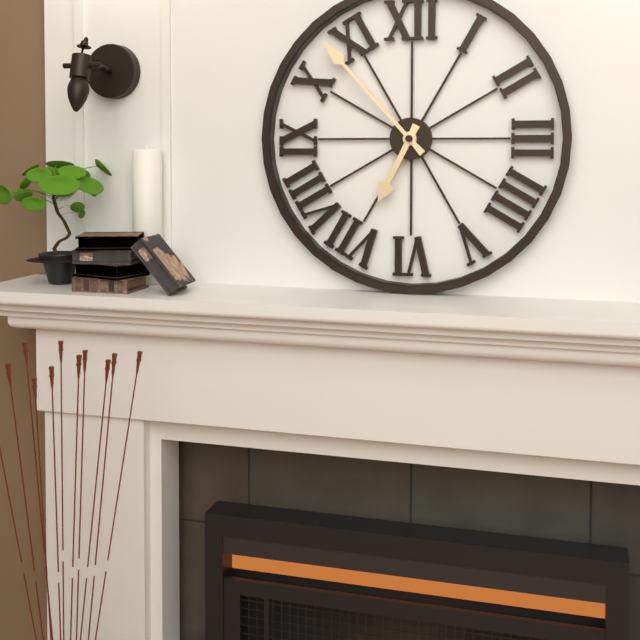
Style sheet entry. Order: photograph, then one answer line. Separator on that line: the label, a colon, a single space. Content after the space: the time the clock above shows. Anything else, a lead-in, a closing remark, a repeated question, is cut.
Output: 6:53
